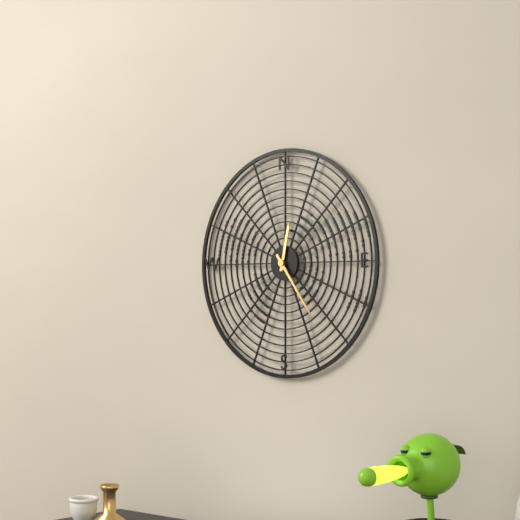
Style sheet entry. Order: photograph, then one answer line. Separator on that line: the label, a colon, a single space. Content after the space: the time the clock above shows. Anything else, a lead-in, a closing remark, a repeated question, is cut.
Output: 12:24
